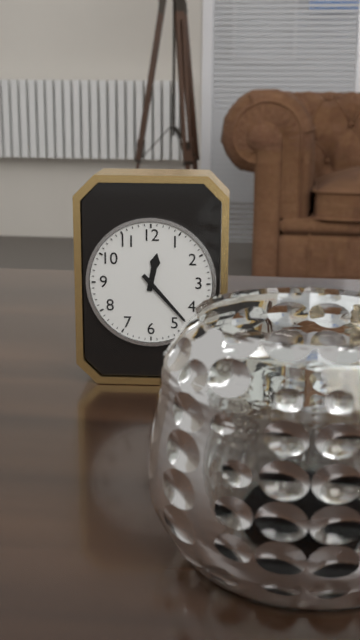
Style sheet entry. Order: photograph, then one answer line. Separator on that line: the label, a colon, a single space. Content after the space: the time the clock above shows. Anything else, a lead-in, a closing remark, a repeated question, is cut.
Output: 12:23
